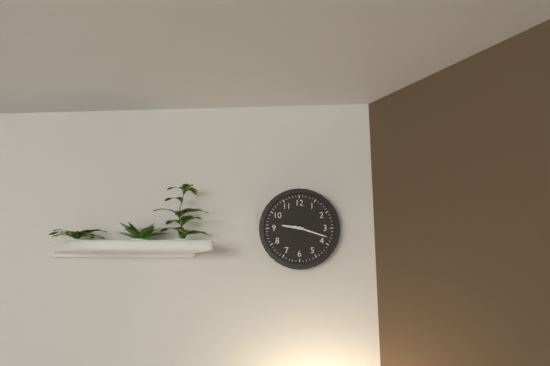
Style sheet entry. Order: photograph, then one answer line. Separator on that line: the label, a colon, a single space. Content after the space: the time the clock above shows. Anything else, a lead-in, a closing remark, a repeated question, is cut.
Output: 9:18
